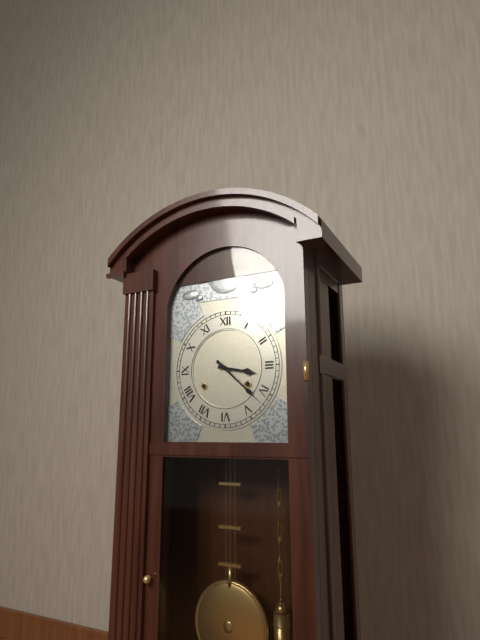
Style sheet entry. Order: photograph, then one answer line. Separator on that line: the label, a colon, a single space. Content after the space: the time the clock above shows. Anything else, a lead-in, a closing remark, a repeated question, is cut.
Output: 3:22
